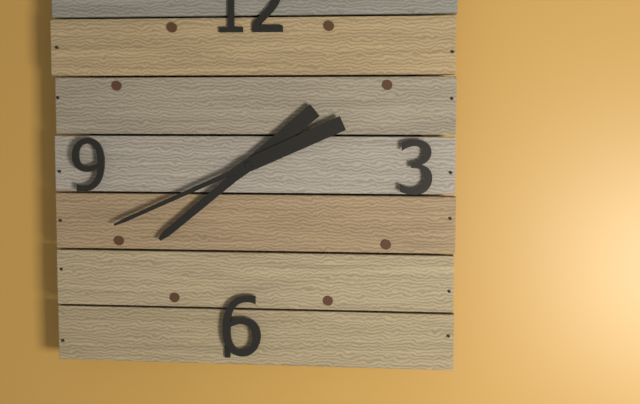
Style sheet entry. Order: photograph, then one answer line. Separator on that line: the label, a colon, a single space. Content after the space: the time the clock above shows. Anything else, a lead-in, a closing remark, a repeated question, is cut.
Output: 7:41
